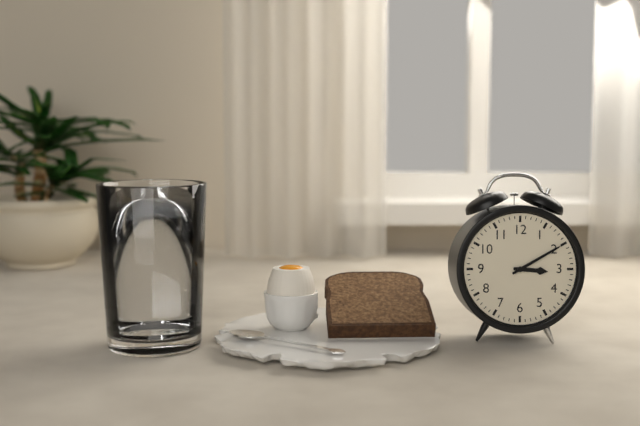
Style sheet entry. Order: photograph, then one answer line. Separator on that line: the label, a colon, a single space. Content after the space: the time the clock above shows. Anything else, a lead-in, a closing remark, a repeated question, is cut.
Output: 3:10
